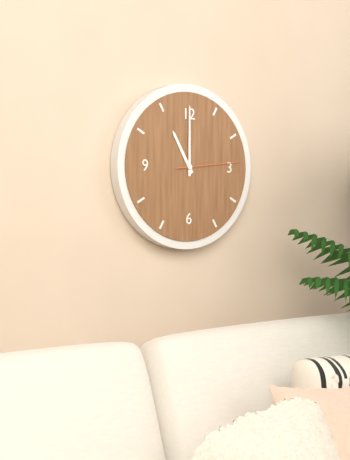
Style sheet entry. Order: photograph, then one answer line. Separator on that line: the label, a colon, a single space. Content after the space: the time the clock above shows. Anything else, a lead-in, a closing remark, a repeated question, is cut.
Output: 11:00:14
